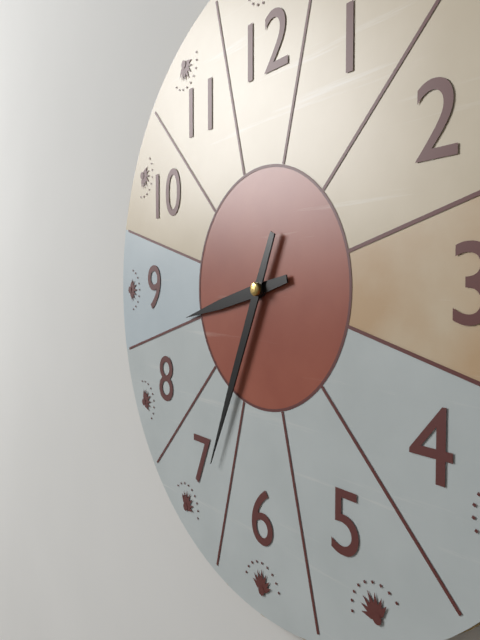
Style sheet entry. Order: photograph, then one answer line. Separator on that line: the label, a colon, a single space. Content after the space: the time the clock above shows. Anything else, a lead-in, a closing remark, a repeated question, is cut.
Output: 8:34
